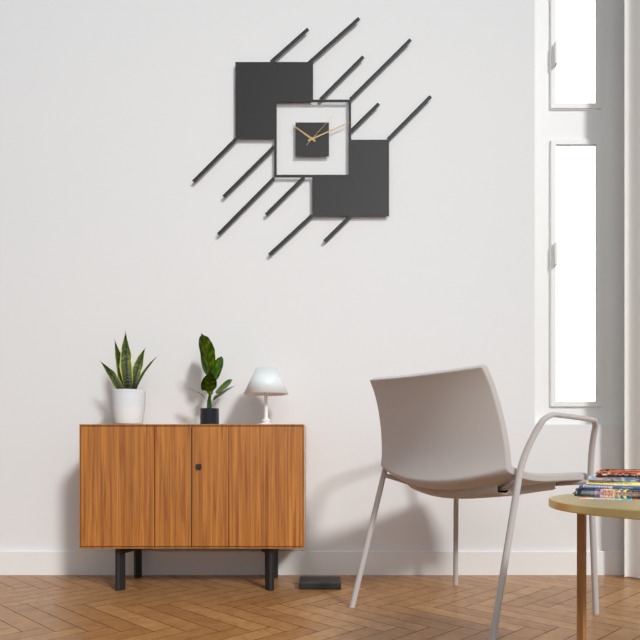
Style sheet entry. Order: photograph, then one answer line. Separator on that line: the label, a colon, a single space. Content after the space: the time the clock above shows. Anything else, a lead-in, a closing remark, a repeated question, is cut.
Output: 10:11
